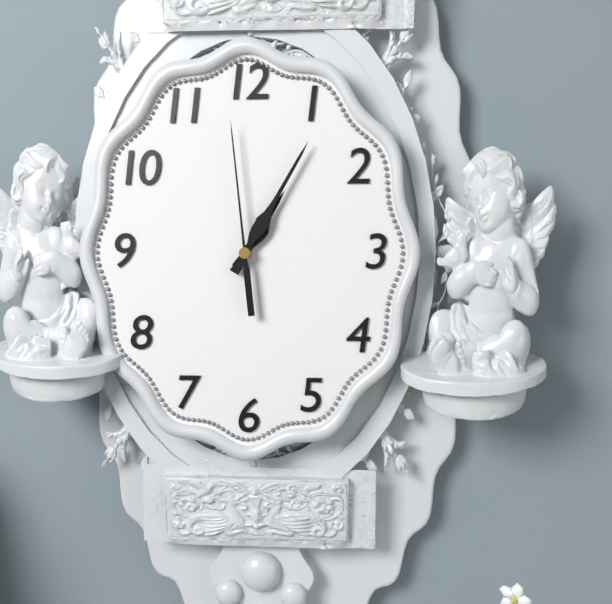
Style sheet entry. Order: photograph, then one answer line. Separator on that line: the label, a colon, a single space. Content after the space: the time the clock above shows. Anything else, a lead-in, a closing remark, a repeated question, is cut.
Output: 1:05:59
